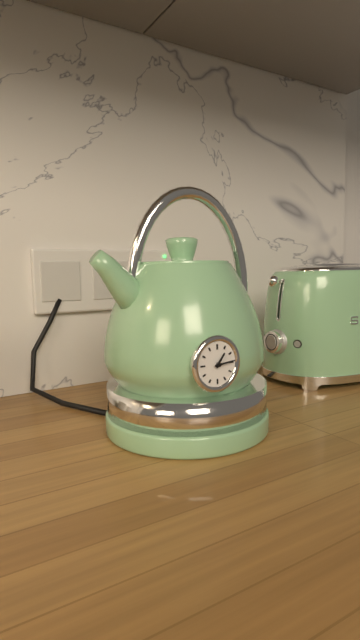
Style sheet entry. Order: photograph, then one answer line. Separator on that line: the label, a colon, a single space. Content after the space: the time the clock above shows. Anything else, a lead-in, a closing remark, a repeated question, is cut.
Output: 1:14
